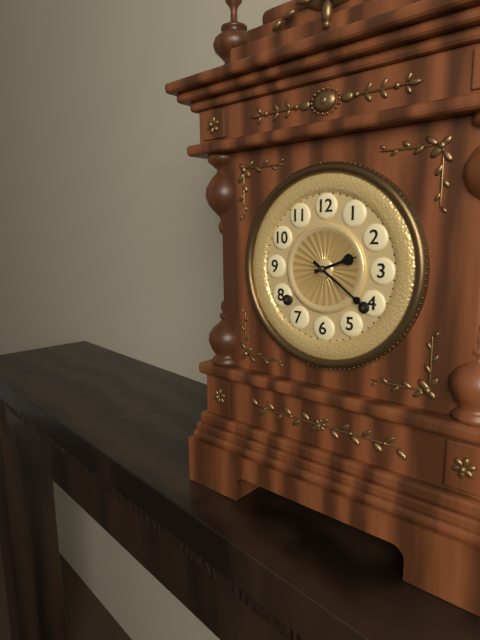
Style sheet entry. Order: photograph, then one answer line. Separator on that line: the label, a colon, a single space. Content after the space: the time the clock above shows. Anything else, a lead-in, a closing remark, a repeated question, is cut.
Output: 2:21
